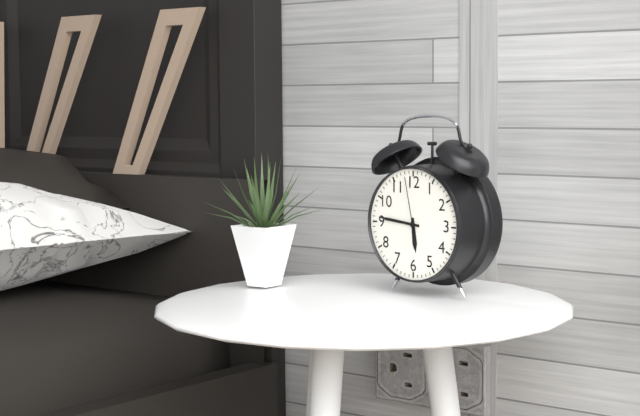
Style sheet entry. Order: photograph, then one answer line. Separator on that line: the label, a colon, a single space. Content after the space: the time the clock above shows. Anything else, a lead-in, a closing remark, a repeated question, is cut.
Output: 5:46:58
